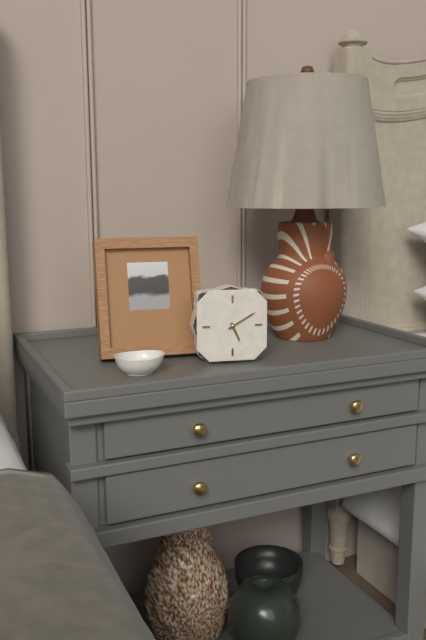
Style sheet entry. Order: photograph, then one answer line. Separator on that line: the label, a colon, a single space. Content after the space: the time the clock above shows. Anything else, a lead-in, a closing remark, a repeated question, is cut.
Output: 5:10
